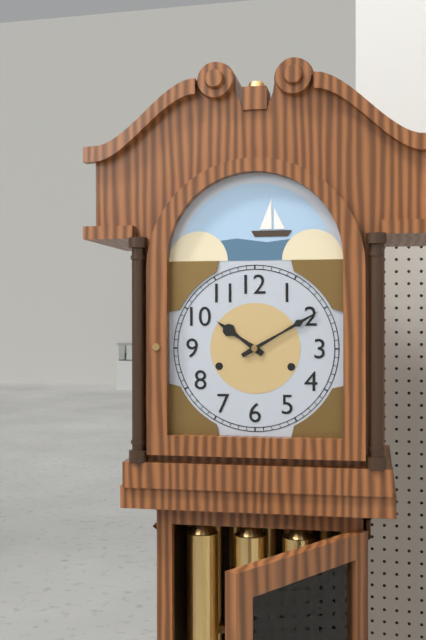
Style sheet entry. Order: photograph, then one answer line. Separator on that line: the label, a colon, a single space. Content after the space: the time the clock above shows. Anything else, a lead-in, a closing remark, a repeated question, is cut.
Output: 10:10
